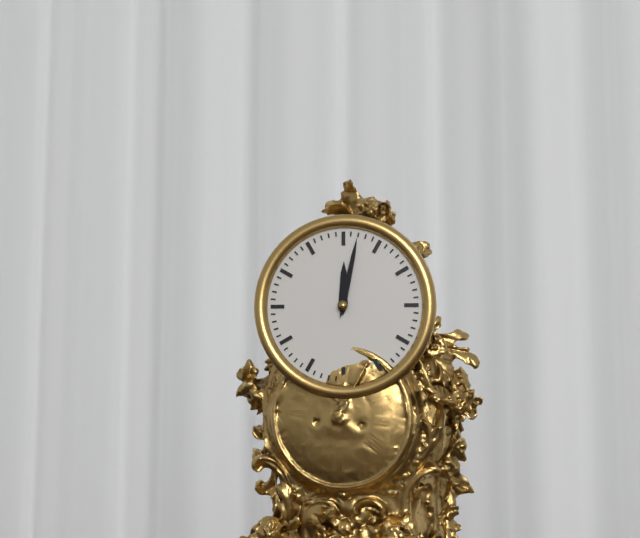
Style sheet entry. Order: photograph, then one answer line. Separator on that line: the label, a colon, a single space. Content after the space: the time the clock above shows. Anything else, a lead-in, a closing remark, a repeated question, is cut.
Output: 12:02
